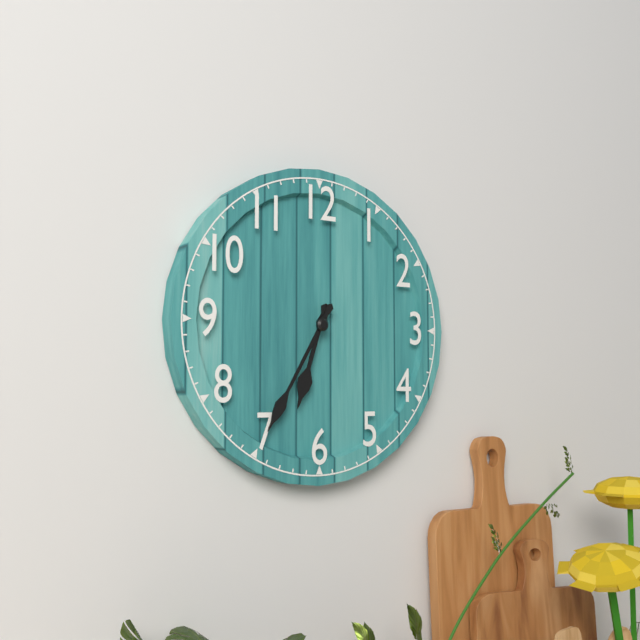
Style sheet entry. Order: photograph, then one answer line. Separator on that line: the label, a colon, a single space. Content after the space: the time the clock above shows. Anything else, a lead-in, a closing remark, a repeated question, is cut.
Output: 6:35
